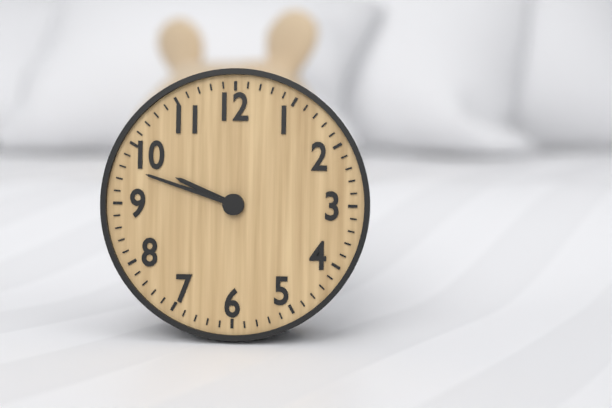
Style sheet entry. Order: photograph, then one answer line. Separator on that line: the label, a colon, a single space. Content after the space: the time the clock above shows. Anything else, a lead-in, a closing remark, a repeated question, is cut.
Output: 9:48
